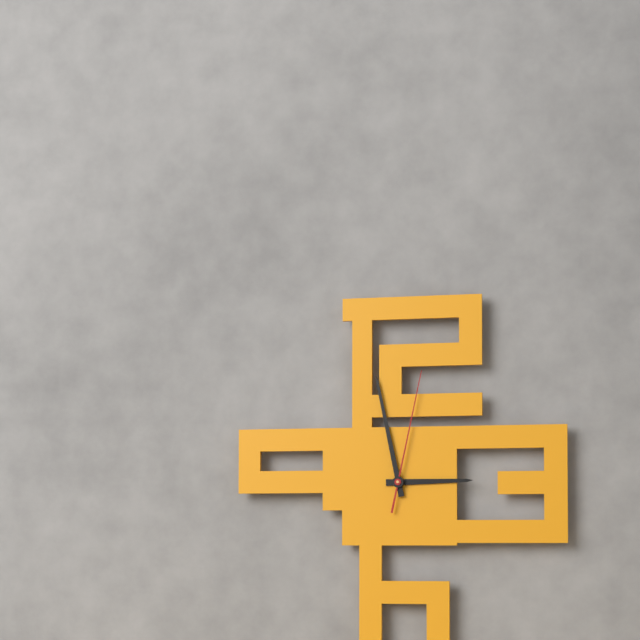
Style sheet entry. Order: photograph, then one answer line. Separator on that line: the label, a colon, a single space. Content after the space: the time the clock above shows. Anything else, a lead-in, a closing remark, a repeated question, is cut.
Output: 2:58:02
